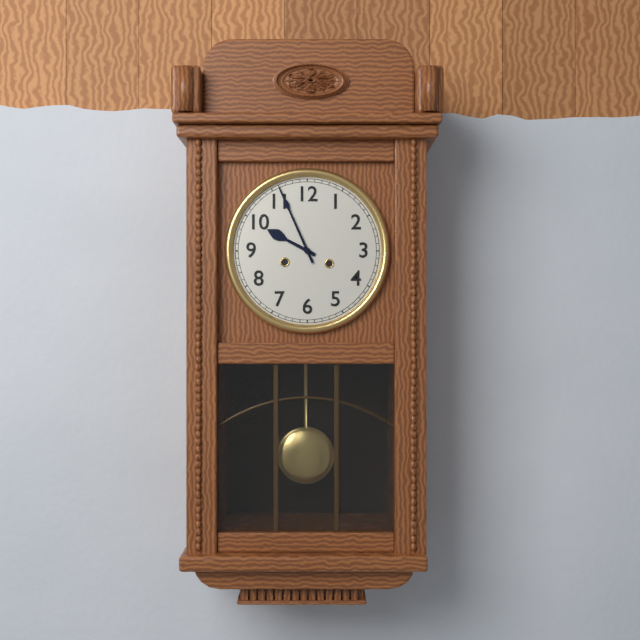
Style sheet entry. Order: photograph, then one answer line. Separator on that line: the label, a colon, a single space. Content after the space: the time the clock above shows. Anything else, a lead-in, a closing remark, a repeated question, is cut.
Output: 9:56
